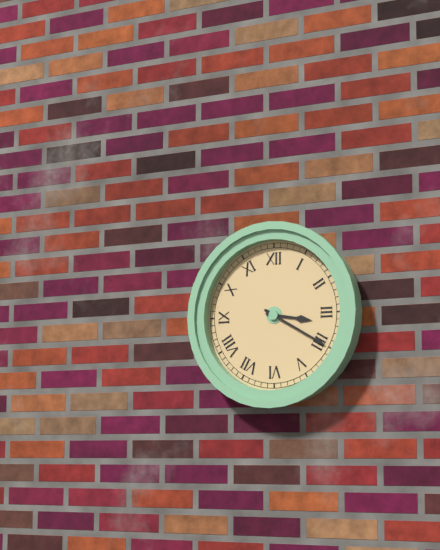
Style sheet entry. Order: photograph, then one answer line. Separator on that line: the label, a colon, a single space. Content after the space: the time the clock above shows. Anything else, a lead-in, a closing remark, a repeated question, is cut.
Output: 3:20
